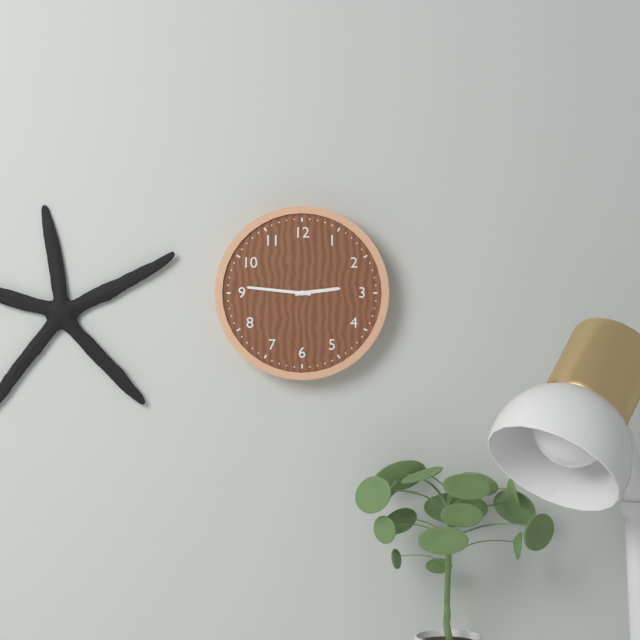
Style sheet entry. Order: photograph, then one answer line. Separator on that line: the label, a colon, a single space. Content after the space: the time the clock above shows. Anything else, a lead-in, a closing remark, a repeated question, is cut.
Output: 2:46
